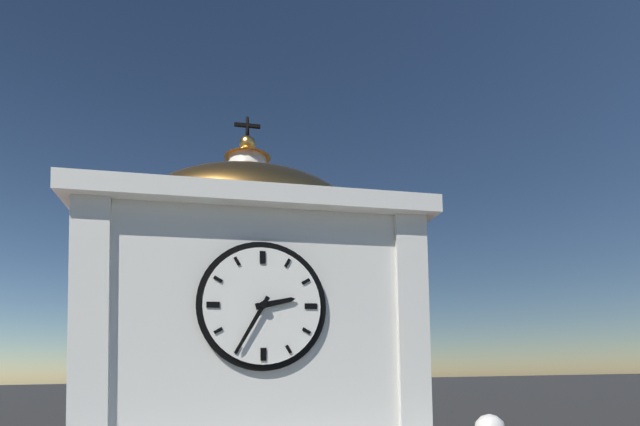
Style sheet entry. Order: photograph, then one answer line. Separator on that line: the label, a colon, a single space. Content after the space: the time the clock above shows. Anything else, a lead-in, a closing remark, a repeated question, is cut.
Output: 2:35
